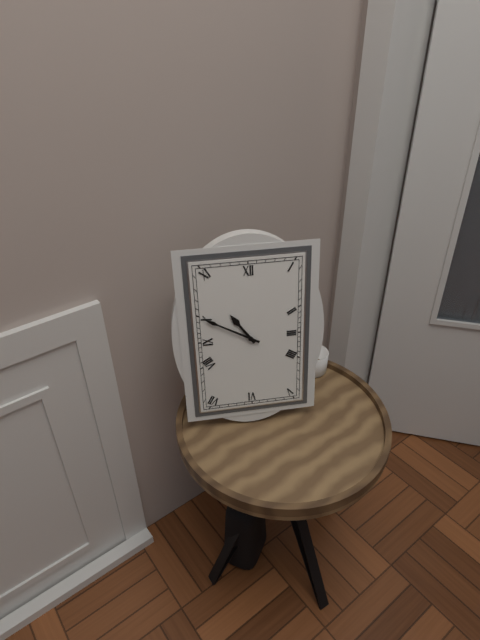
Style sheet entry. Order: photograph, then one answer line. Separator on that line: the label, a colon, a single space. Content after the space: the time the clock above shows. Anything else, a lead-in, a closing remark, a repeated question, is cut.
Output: 10:50
